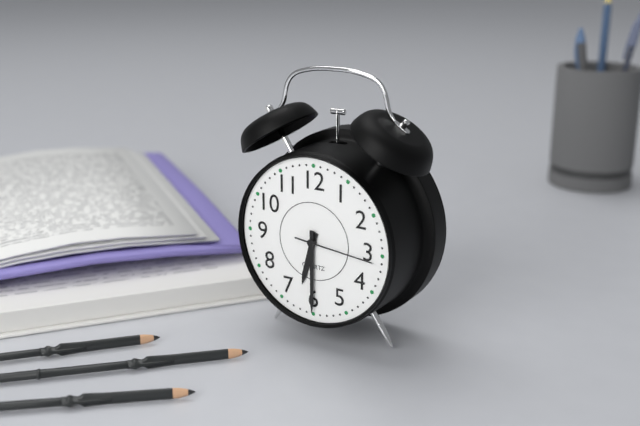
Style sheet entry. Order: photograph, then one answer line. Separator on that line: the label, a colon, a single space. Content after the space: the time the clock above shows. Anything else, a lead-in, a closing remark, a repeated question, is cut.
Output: 6:30:16
